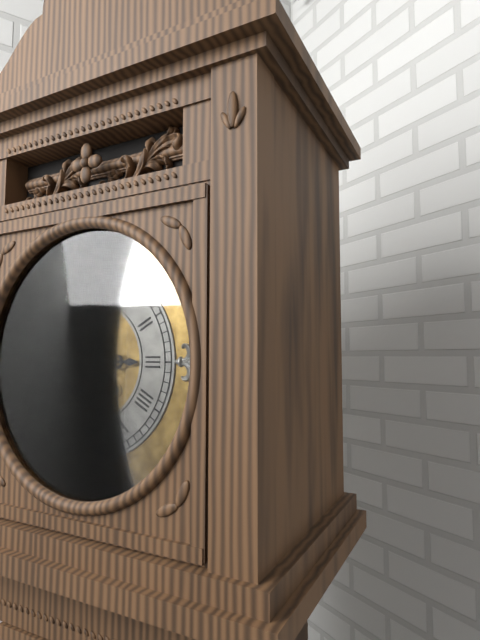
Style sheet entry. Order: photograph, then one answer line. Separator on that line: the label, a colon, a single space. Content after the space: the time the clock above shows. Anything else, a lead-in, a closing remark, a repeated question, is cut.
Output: 3:00
